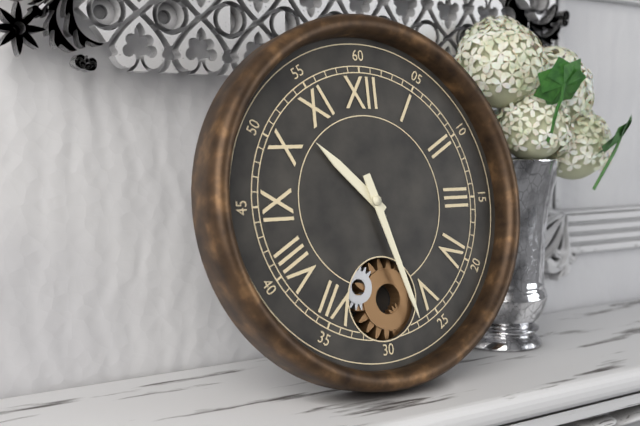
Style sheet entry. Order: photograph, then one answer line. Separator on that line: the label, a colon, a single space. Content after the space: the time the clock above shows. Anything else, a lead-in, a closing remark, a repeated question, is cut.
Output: 10:27
